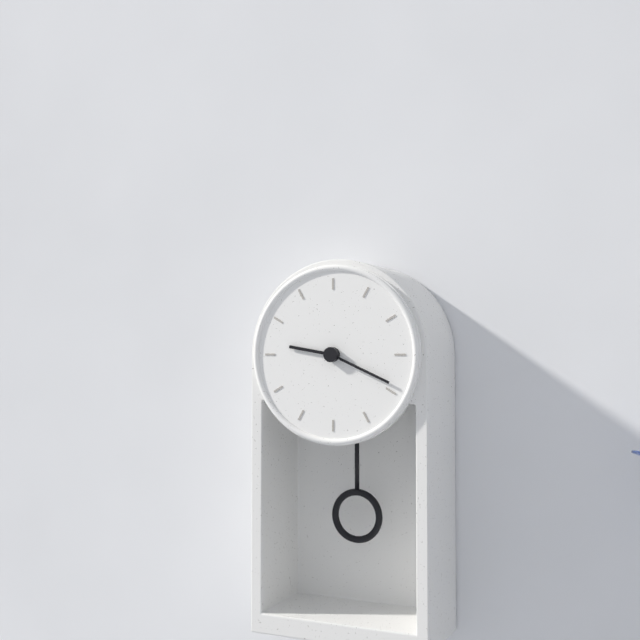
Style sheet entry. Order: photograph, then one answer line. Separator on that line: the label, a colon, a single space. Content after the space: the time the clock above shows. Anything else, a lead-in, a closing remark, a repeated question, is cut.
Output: 9:19
